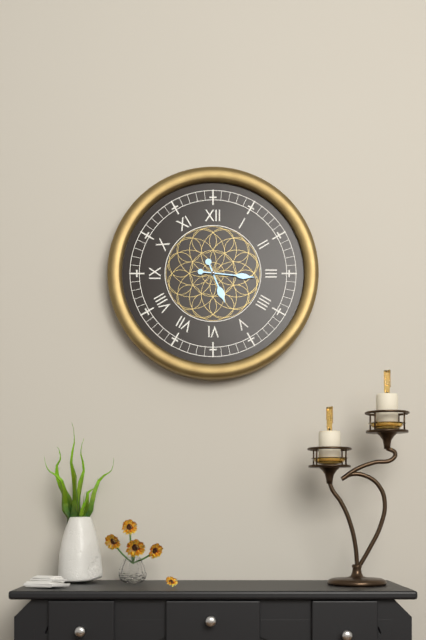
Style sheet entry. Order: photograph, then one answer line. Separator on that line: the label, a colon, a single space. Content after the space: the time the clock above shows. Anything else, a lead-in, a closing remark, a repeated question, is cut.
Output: 5:16
